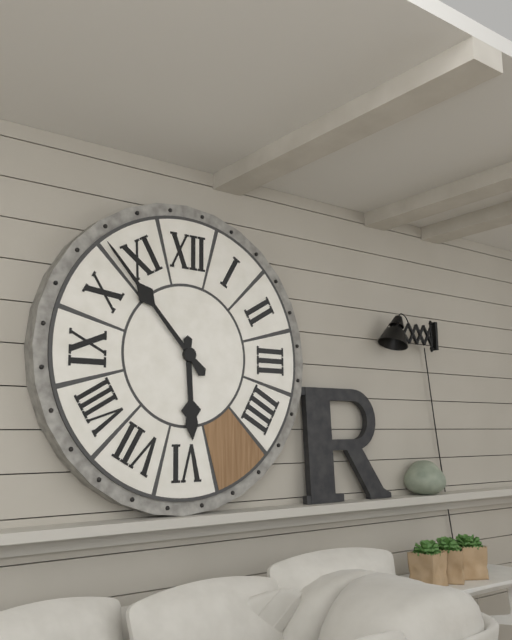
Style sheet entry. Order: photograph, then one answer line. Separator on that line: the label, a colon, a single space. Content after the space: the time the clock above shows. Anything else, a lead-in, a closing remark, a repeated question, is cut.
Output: 5:53
